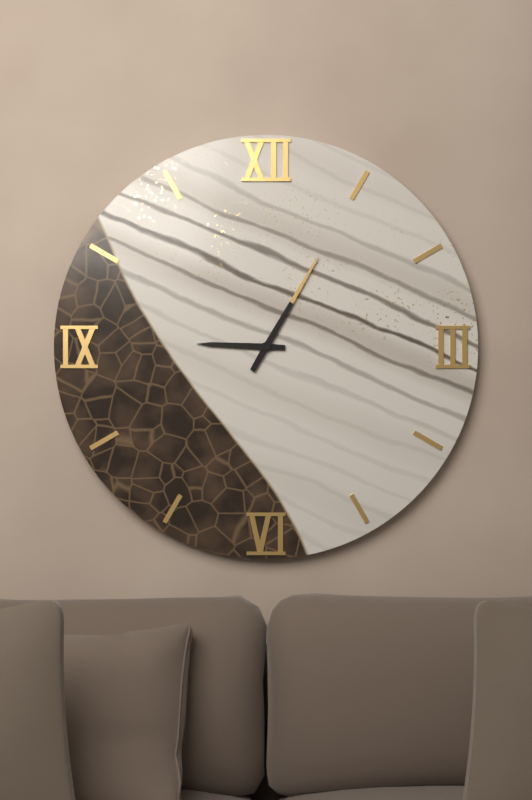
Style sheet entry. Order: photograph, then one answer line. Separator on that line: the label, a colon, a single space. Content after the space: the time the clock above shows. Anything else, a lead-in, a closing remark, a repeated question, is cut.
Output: 9:05
